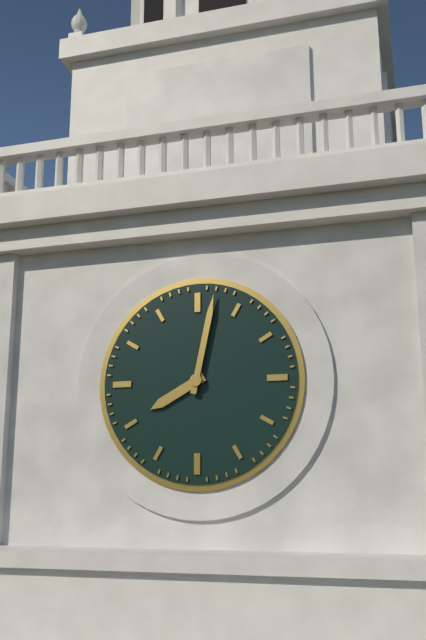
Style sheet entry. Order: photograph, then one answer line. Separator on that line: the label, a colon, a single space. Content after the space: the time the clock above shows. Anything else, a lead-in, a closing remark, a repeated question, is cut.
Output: 8:02
